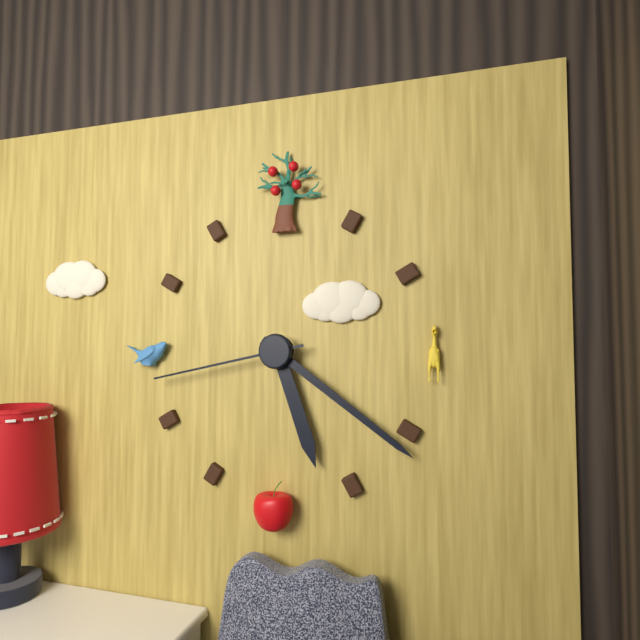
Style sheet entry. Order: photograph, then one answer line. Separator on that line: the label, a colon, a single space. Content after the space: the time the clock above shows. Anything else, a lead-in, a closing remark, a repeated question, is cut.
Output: 5:21:43
